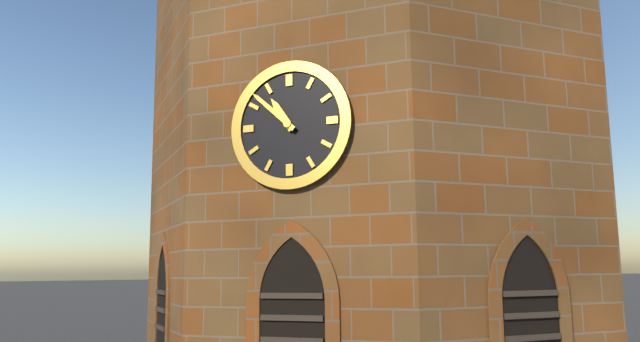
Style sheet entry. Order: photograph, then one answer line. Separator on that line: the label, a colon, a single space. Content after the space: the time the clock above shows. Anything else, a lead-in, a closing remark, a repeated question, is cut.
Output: 10:52
